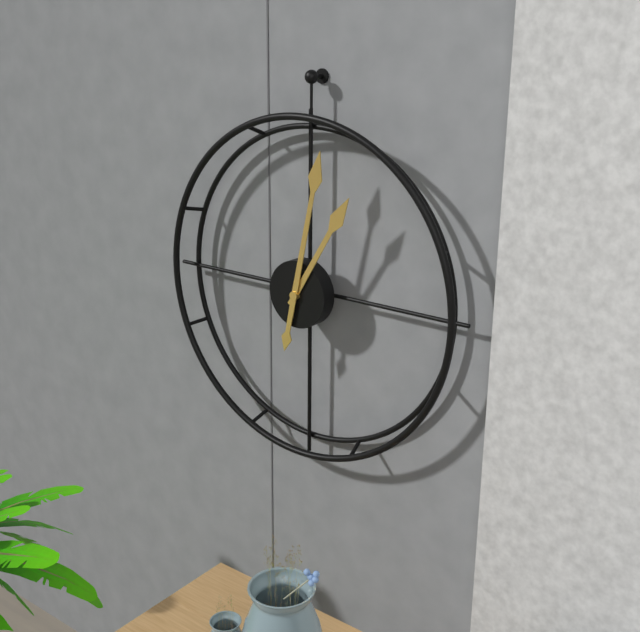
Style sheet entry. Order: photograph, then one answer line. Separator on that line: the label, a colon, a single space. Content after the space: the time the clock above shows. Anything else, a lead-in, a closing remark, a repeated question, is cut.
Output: 1:02
